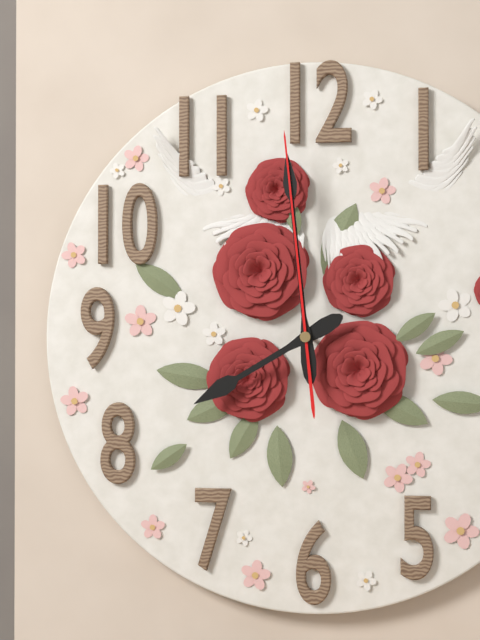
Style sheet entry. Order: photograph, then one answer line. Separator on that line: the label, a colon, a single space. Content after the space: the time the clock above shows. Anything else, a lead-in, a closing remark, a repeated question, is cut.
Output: 7:59:59
